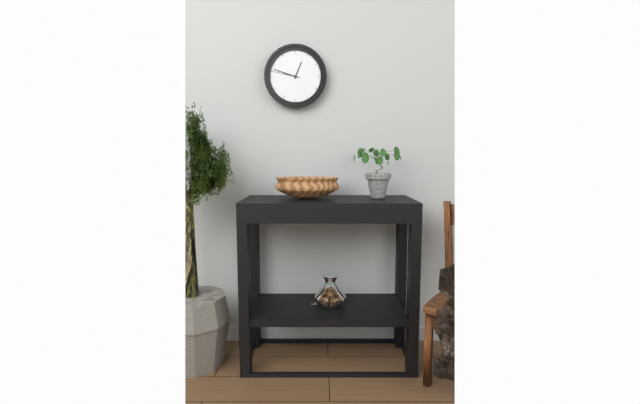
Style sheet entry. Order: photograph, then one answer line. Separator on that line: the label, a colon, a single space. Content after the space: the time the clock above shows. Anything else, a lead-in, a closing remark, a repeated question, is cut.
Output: 12:48
